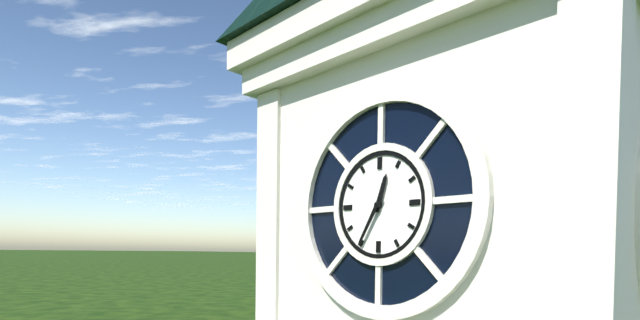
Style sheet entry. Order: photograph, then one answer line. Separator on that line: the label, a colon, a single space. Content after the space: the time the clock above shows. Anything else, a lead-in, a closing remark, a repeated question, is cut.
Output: 12:35
